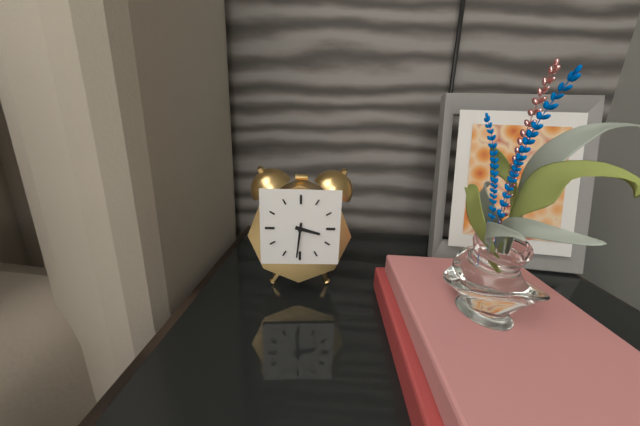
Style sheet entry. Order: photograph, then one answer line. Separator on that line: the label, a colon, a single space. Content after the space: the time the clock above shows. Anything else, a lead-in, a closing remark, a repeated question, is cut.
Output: 3:31
